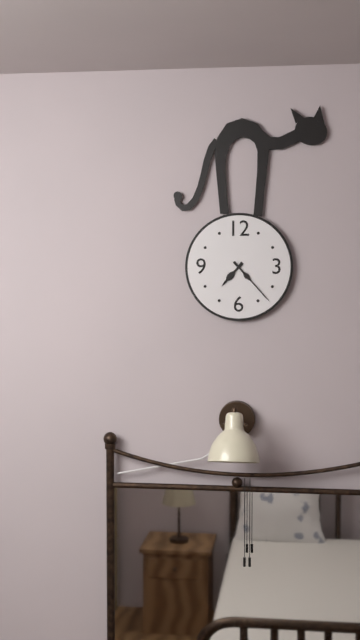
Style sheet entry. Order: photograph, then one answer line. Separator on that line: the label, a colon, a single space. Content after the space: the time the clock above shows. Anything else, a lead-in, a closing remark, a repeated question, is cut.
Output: 7:23
